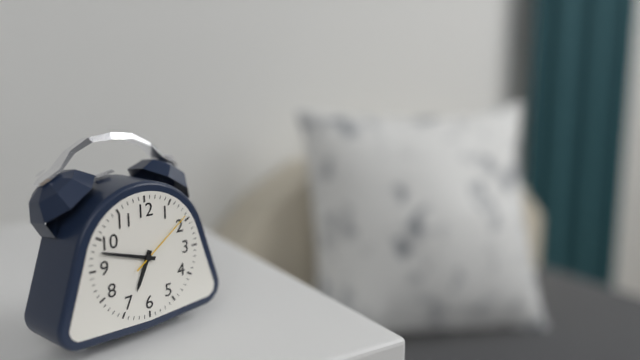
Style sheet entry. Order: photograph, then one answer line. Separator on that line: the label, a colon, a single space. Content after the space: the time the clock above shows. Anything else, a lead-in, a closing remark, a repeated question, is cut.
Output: 6:48:09
